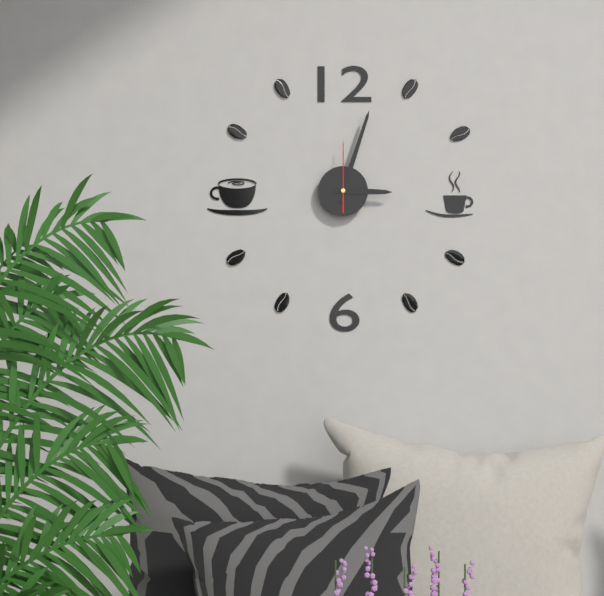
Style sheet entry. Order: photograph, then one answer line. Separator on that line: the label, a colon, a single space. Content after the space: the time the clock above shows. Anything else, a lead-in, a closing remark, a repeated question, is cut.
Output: 3:03:00
